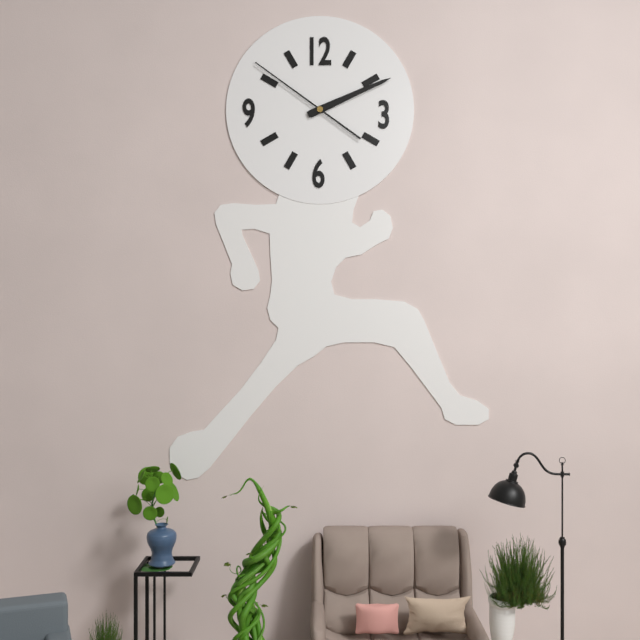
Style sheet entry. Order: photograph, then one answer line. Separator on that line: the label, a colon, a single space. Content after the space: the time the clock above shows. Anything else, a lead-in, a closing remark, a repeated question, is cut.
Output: 2:11:51
